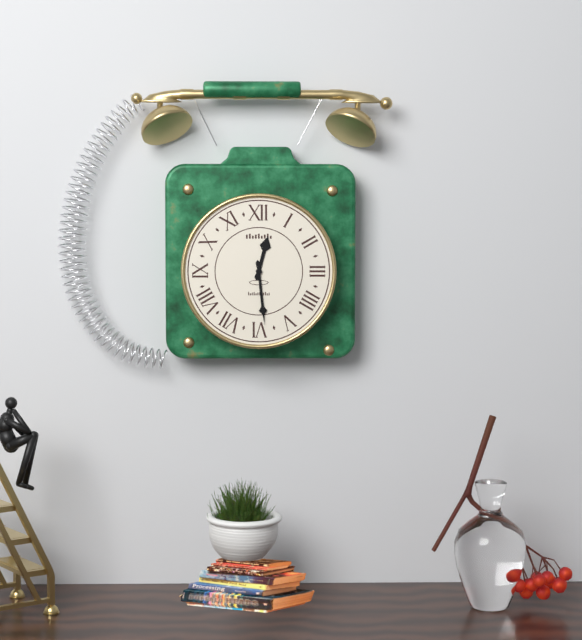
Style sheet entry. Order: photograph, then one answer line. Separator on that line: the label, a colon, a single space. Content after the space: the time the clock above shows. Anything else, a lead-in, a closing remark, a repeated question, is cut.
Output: 12:29
